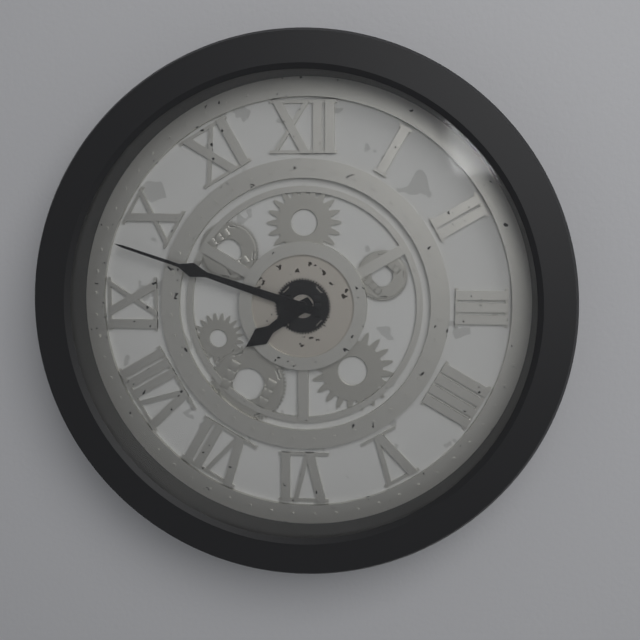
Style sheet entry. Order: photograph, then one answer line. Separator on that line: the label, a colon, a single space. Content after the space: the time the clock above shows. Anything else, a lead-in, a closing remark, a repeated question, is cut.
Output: 7:48
